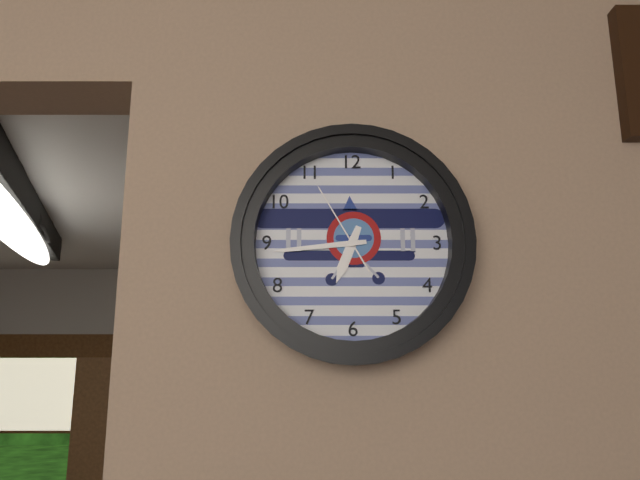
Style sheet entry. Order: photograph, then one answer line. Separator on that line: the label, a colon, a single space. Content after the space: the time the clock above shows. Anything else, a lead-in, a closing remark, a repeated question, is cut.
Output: 6:44:55
